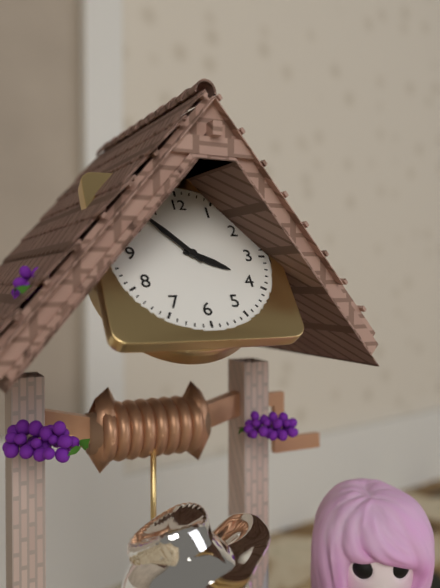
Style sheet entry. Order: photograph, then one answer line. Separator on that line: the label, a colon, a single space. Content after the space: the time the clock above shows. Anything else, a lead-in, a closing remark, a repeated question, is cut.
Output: 3:53
